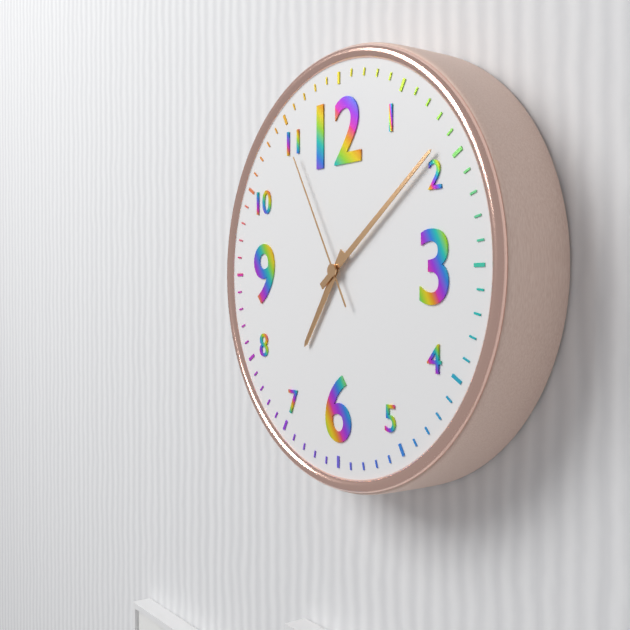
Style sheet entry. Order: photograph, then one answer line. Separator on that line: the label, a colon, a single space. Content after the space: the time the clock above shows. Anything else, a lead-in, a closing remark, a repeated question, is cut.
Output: 7:09:55
